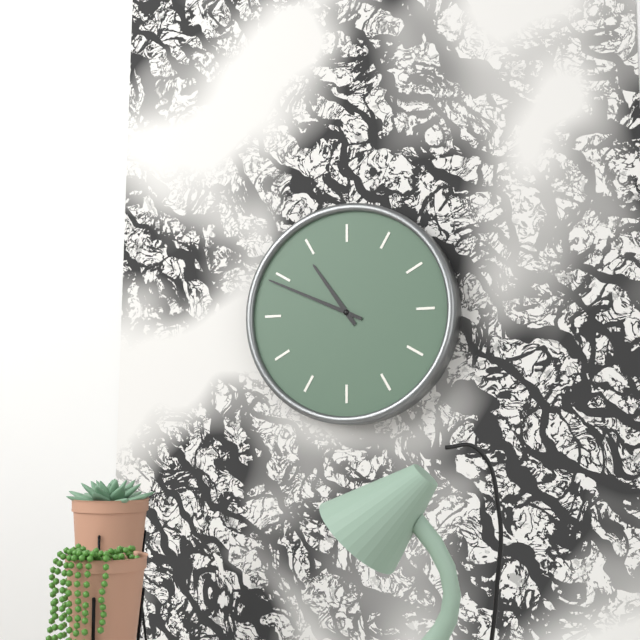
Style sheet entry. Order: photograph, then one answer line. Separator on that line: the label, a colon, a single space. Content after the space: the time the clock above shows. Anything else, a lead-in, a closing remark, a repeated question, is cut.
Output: 10:49
